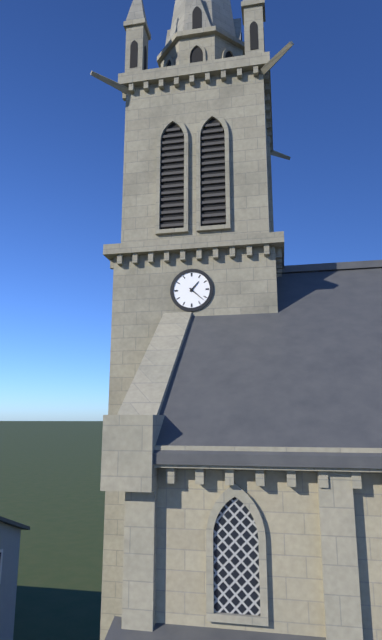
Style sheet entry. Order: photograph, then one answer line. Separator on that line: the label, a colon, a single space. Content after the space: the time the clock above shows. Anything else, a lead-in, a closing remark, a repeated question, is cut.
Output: 1:22
